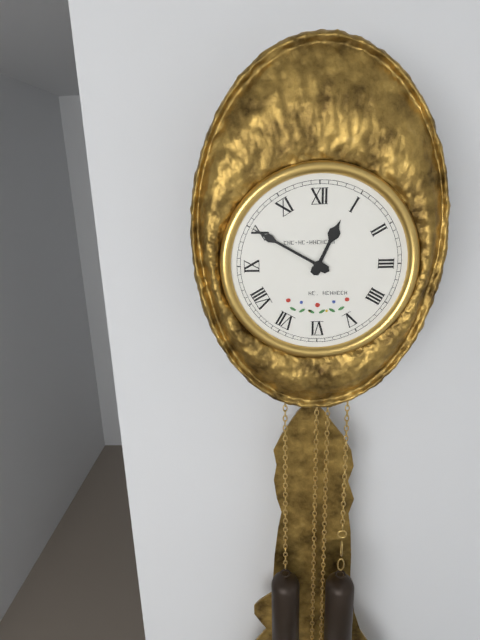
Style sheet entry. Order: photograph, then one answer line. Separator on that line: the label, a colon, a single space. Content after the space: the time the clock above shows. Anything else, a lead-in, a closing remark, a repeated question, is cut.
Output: 12:50
